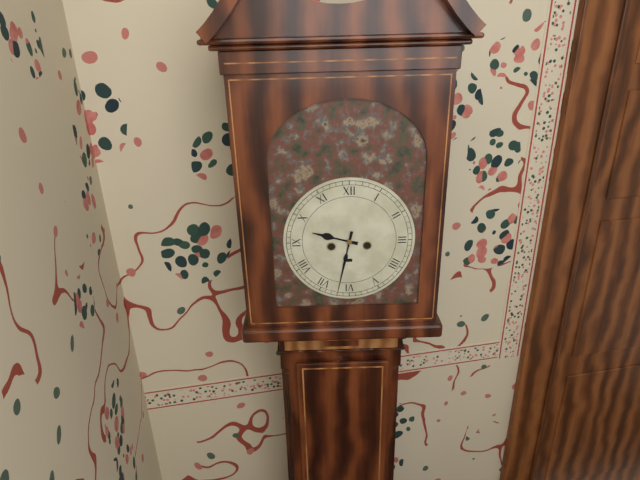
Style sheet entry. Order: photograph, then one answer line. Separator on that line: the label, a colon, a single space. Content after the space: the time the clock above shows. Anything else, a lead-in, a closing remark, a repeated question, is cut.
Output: 9:32
